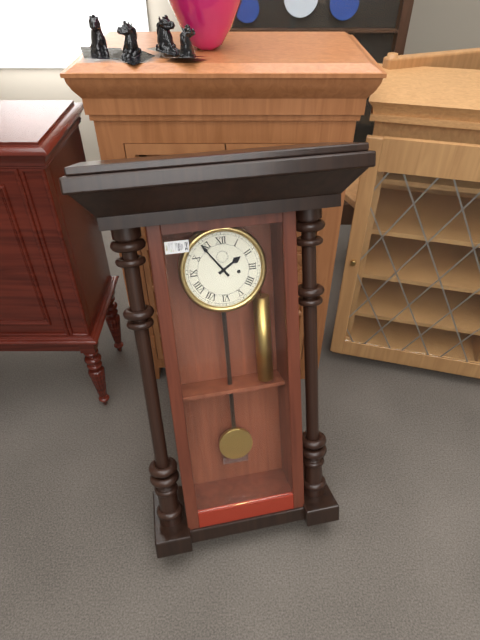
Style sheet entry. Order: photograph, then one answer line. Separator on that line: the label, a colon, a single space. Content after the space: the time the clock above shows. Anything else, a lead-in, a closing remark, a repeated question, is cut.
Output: 1:54
